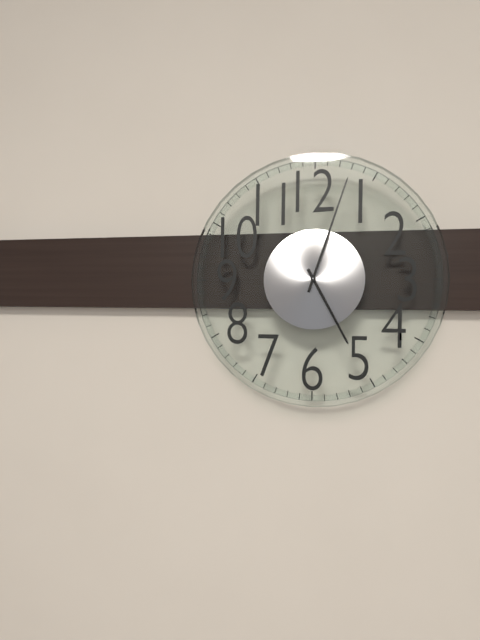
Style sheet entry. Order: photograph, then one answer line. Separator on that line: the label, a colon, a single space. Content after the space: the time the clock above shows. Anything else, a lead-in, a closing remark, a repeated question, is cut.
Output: 5:03
